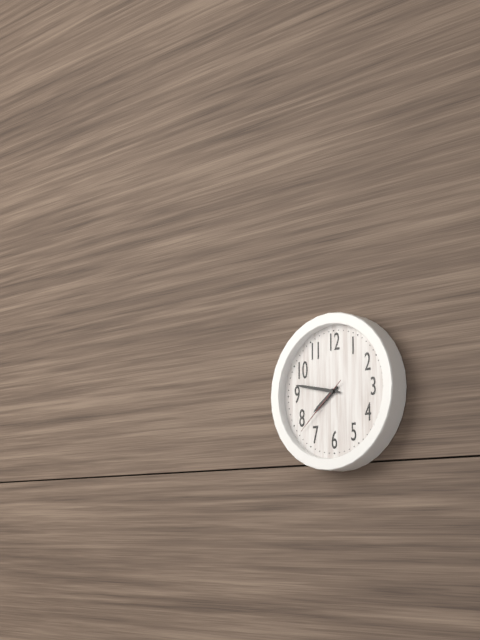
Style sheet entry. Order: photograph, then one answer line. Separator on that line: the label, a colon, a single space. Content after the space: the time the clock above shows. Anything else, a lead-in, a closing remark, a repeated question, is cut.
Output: 7:47:38
